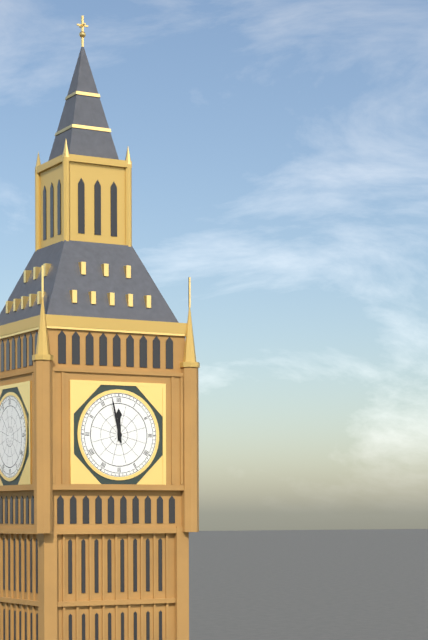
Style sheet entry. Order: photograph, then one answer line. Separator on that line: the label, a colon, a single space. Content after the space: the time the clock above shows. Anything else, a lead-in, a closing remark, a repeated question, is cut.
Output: 11:58
